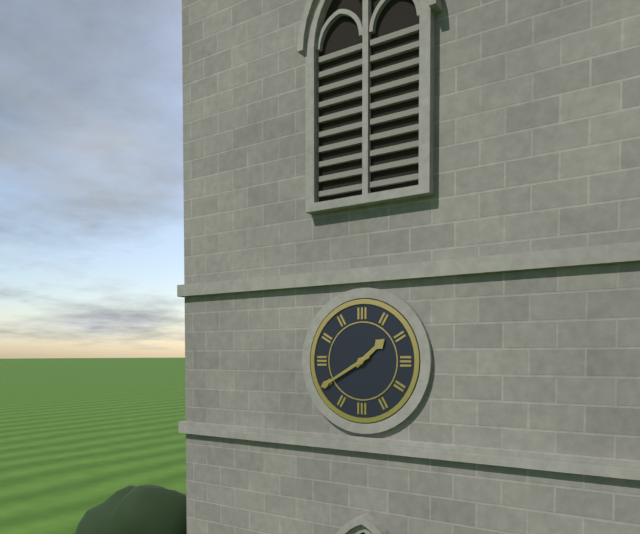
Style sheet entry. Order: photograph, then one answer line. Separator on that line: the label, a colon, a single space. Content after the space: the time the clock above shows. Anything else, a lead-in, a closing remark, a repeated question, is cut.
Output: 1:40
